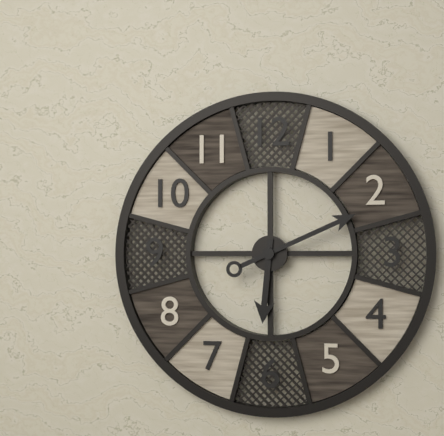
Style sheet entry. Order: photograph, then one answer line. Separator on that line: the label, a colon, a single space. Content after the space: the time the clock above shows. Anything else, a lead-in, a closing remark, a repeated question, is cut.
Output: 6:11
